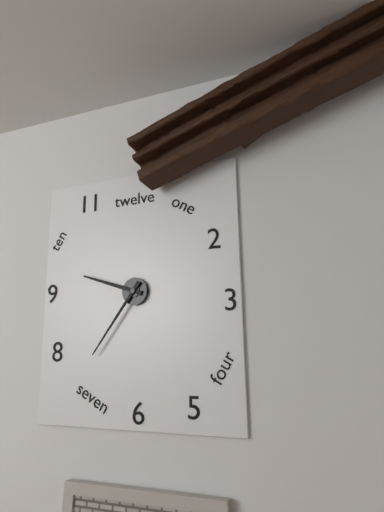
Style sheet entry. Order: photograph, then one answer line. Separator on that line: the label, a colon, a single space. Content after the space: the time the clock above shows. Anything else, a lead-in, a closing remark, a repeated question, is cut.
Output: 9:36
